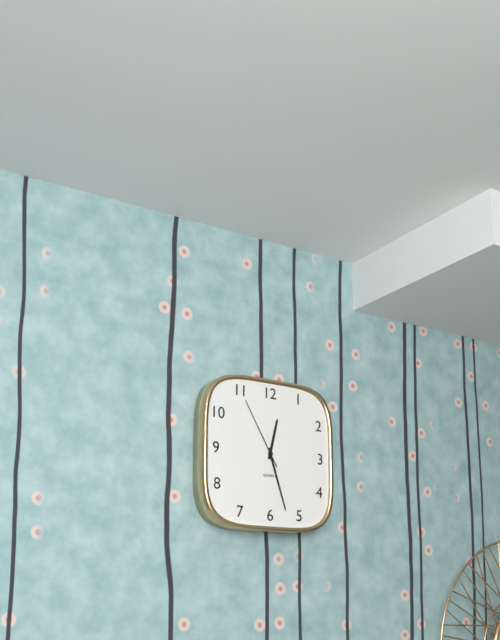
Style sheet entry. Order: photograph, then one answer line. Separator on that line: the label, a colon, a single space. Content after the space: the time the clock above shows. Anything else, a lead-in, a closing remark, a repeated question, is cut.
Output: 12:27:55
